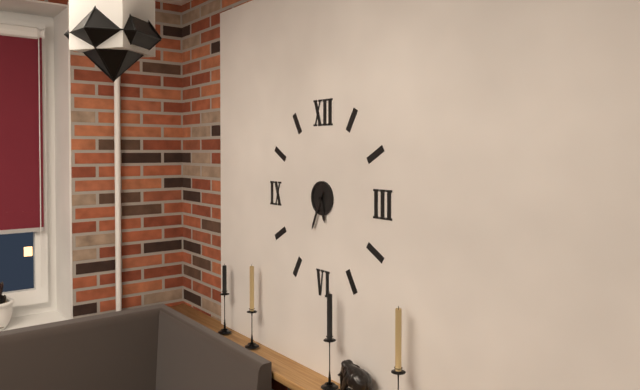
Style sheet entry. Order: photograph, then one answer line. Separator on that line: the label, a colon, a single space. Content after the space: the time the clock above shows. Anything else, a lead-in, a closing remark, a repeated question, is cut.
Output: 5:34
